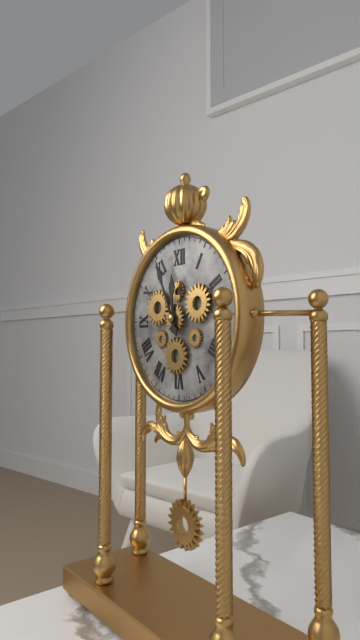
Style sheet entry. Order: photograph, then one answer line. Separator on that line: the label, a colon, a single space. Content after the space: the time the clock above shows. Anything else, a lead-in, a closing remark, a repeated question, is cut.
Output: 11:56
